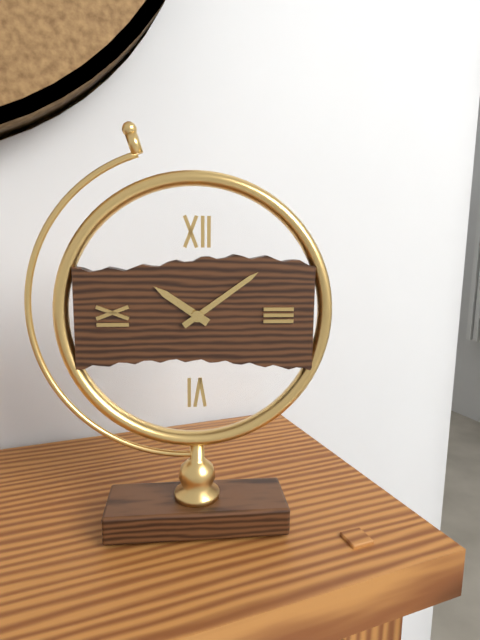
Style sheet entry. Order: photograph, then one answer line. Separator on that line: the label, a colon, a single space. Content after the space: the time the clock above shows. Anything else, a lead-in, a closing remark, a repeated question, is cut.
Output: 10:09
